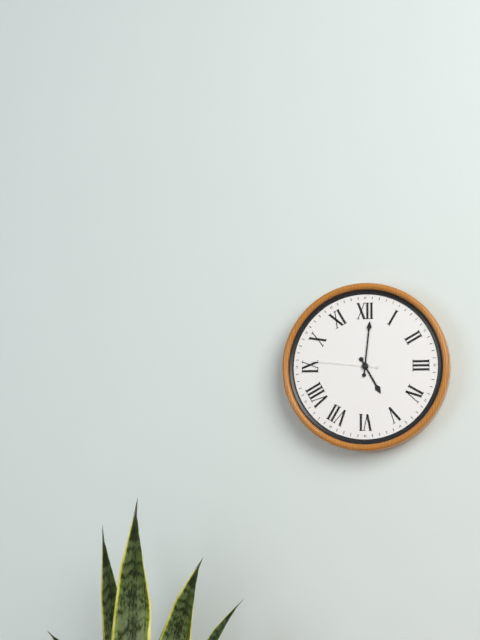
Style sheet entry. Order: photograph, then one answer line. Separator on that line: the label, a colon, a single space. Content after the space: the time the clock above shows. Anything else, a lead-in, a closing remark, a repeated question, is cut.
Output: 5:01:46
